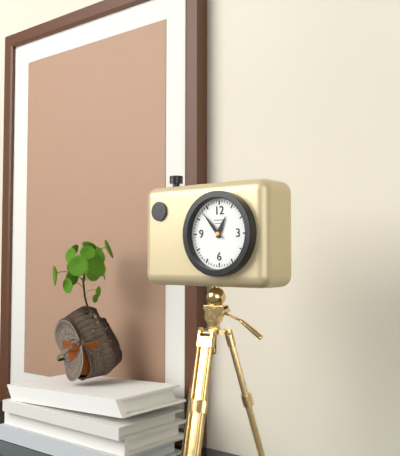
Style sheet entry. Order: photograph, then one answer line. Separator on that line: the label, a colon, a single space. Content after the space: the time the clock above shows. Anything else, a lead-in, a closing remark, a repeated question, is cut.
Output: 12:53
